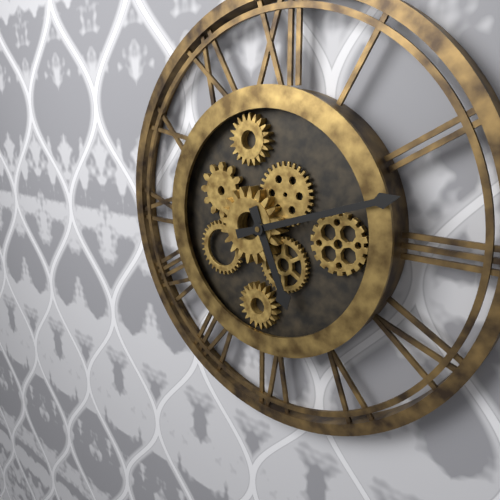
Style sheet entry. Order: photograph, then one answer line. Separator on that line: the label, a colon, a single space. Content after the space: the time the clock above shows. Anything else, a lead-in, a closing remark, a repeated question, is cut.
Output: 5:12
